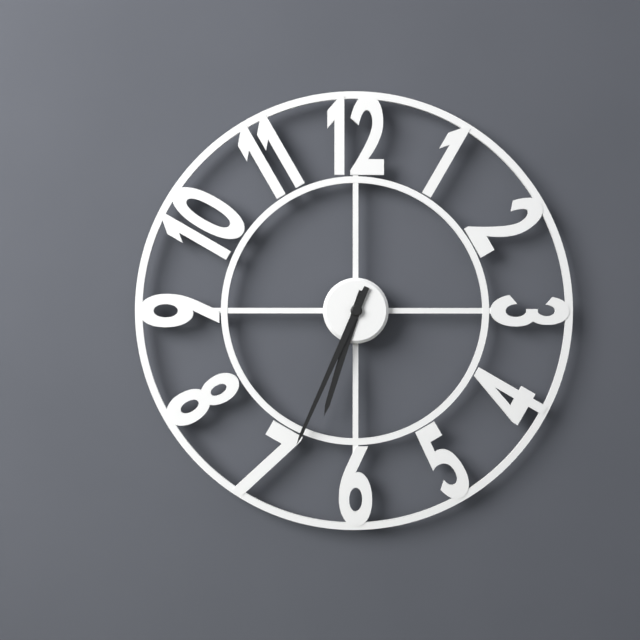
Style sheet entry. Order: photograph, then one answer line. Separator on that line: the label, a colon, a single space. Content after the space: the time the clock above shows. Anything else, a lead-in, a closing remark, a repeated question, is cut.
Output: 6:34
